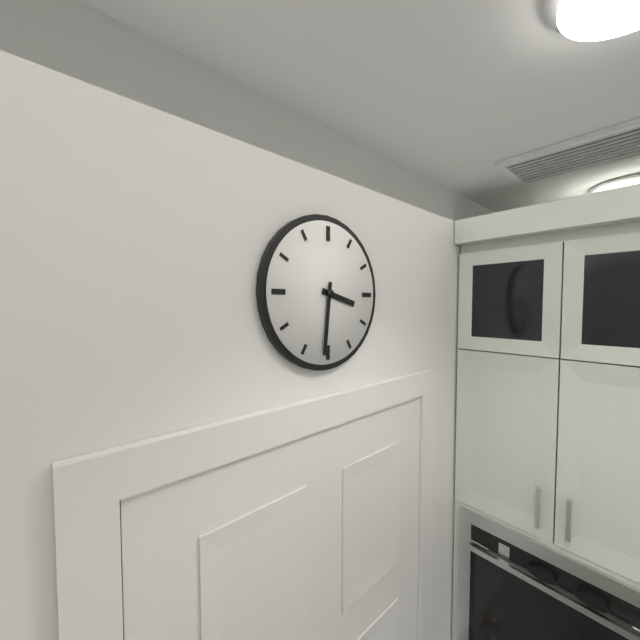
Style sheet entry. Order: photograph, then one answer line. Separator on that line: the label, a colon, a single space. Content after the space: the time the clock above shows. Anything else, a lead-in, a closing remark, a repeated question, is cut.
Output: 3:31
